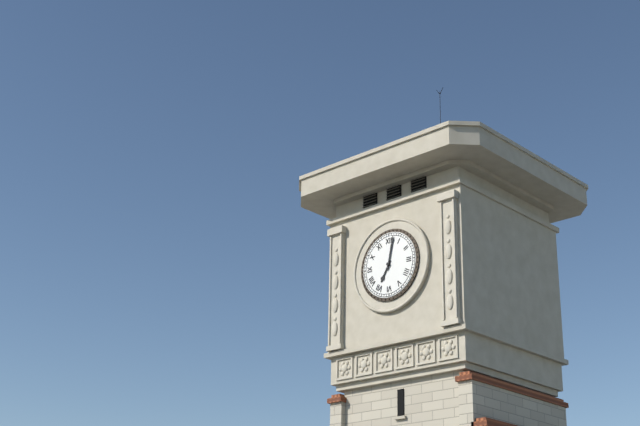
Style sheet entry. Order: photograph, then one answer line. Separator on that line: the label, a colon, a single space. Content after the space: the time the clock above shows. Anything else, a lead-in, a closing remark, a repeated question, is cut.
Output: 7:02
